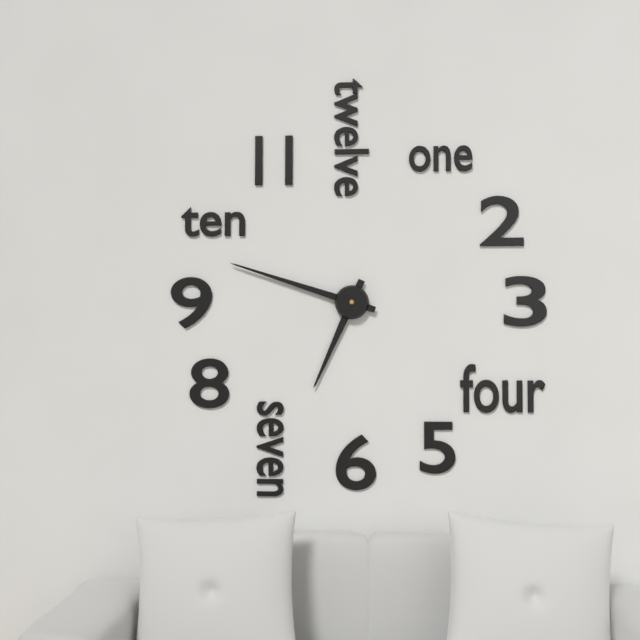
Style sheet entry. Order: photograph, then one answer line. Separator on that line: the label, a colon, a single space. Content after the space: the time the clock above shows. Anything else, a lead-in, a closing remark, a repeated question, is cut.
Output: 6:48
